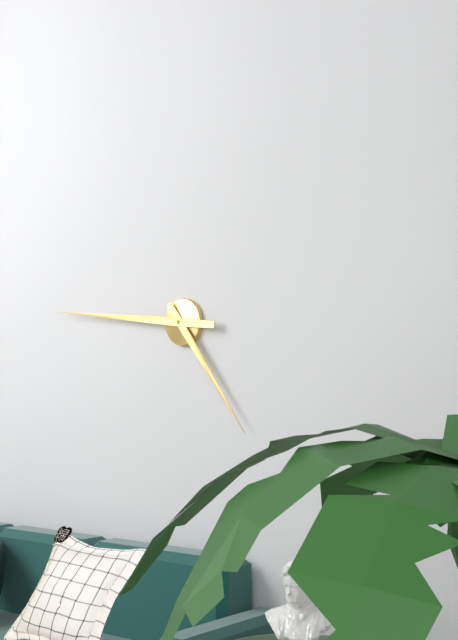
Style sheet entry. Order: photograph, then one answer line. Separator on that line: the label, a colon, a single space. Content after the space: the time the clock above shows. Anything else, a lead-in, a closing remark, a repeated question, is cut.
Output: 4:46
